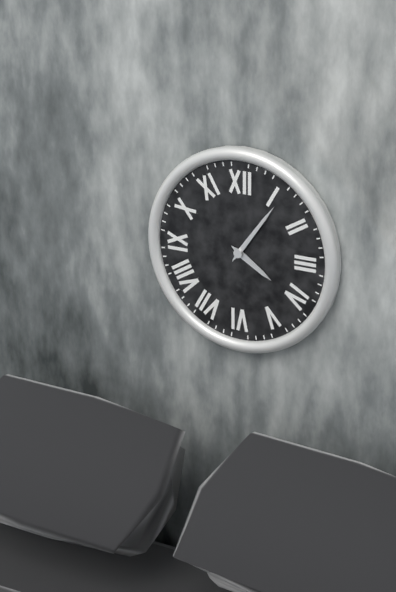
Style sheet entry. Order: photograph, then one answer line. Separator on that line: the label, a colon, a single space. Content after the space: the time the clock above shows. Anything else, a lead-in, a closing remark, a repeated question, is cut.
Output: 4:06
